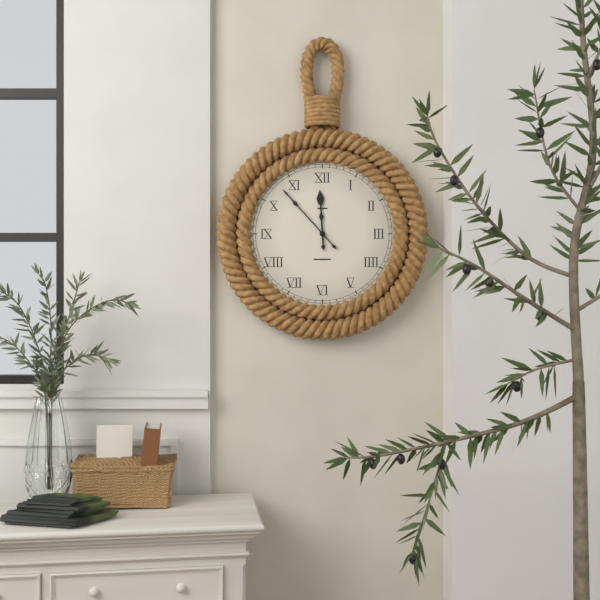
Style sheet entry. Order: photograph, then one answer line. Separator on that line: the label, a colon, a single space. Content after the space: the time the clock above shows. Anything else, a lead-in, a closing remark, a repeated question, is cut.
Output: 11:53
